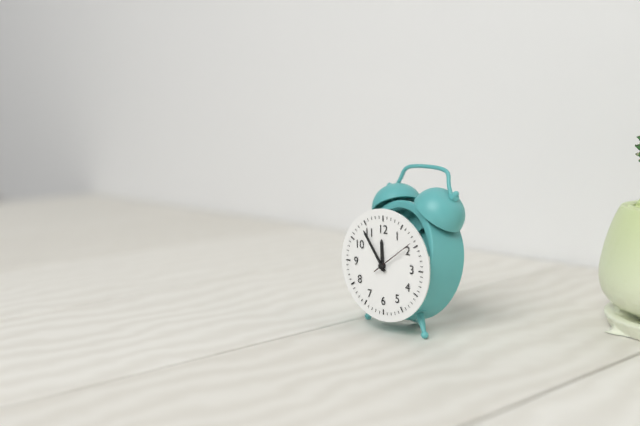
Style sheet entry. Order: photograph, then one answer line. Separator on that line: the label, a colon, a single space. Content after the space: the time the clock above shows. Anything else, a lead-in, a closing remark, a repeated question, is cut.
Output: 11:54
